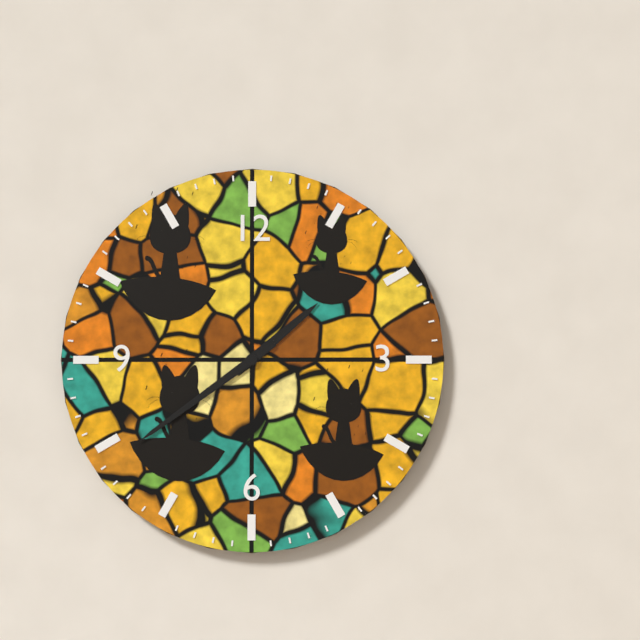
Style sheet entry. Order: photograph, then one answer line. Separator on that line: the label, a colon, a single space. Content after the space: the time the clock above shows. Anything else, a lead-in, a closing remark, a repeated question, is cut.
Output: 1:39
